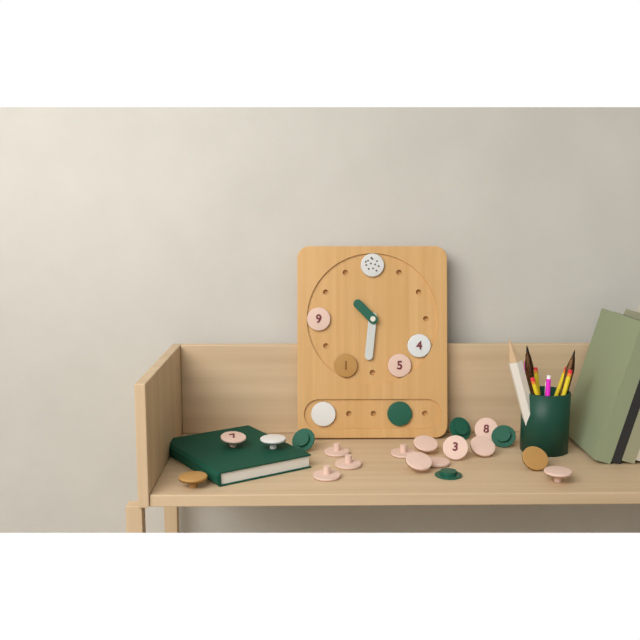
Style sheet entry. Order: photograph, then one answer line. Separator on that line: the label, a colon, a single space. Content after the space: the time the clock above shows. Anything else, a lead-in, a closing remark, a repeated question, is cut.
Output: 10:31
